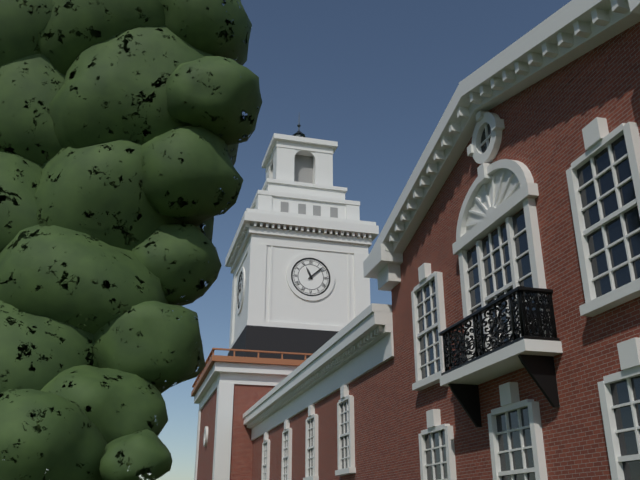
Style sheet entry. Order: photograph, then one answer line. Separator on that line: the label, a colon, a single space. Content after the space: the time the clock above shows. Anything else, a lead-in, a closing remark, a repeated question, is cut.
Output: 11:08
